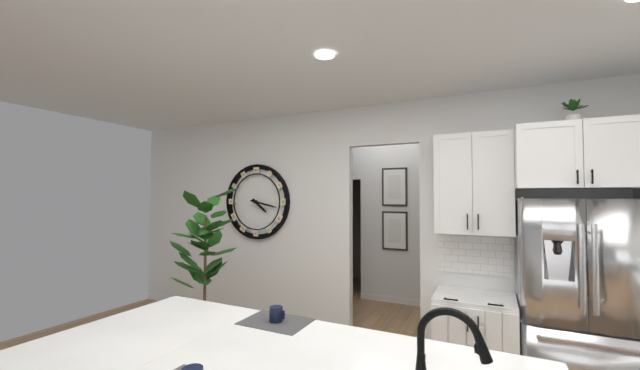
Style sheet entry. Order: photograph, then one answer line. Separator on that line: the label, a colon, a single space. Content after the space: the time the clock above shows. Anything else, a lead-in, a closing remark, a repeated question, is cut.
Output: 4:17
